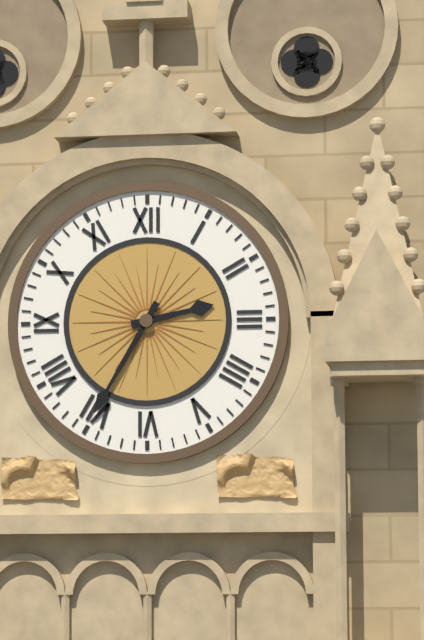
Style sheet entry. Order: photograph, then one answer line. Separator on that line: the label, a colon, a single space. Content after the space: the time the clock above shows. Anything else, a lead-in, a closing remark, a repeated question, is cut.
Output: 2:35
